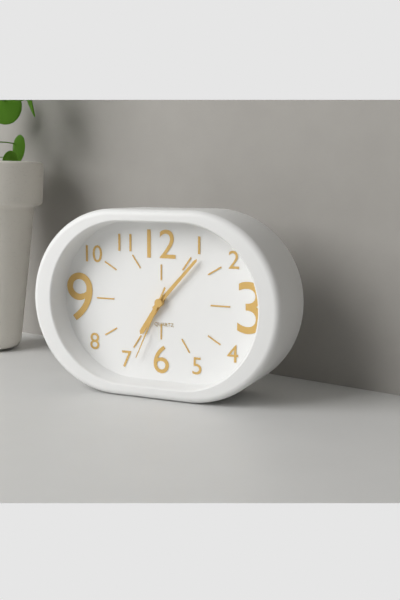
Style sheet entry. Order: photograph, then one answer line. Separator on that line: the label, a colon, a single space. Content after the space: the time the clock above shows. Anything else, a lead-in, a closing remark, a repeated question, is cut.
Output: 7:07:34
